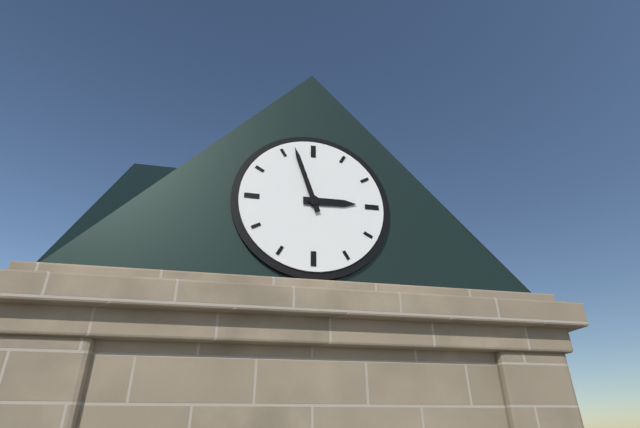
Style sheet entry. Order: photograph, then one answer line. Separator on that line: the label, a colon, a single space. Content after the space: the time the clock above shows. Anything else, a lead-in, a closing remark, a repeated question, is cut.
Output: 2:57
